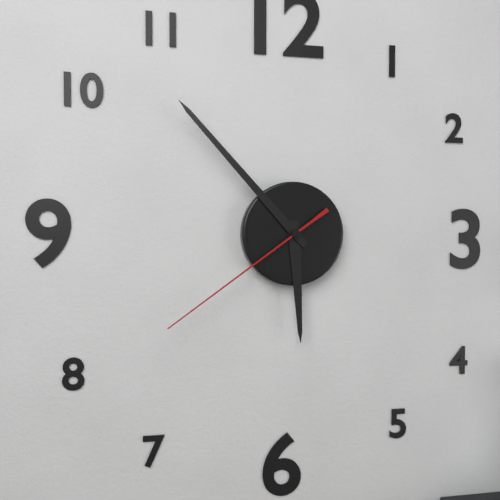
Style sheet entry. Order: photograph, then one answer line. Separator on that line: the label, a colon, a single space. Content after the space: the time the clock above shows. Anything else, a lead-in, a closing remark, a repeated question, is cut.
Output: 5:53:39
